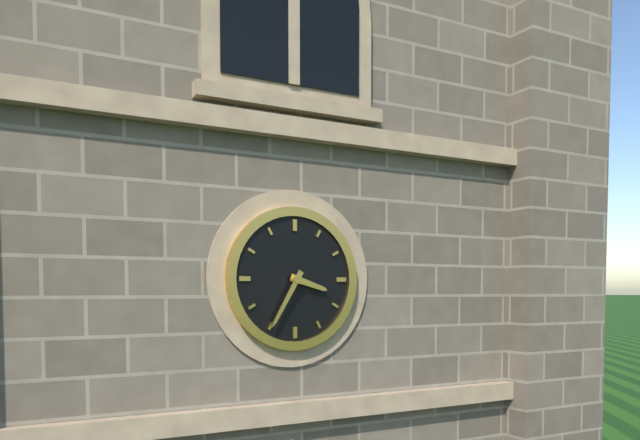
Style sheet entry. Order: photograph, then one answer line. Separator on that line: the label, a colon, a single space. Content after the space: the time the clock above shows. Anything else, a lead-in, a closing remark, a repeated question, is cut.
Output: 3:35
